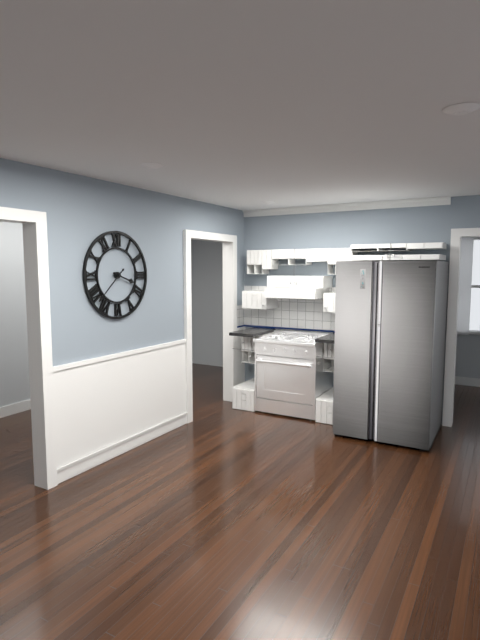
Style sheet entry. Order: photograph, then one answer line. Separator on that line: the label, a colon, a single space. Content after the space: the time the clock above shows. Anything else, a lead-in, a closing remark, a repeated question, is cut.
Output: 3:38
